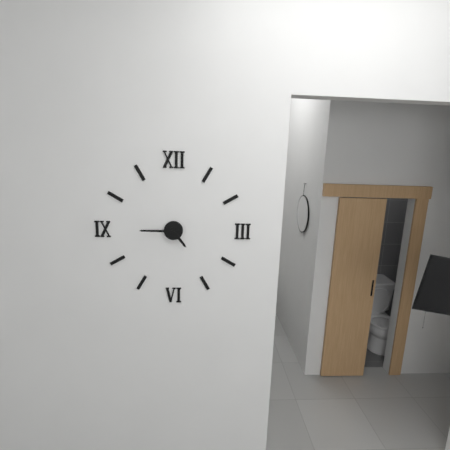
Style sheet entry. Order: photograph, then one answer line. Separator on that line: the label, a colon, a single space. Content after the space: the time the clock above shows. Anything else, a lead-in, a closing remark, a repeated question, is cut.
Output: 4:45
